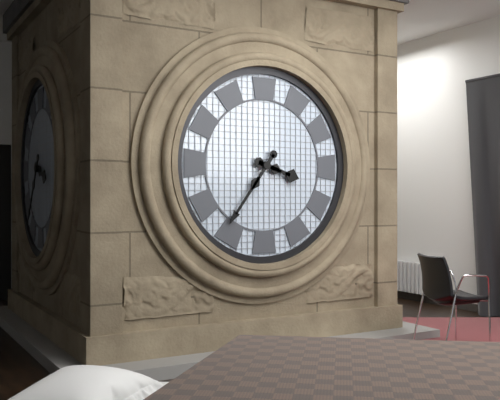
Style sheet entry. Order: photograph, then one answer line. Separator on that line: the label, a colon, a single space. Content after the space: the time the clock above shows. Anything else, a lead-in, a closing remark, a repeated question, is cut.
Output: 3:36
